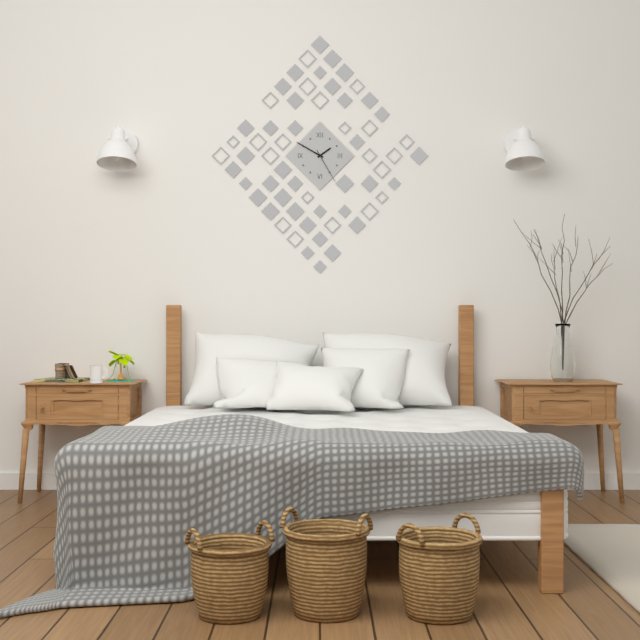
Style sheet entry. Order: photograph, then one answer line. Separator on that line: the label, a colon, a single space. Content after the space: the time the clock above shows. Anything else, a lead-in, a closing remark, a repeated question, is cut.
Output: 1:50
